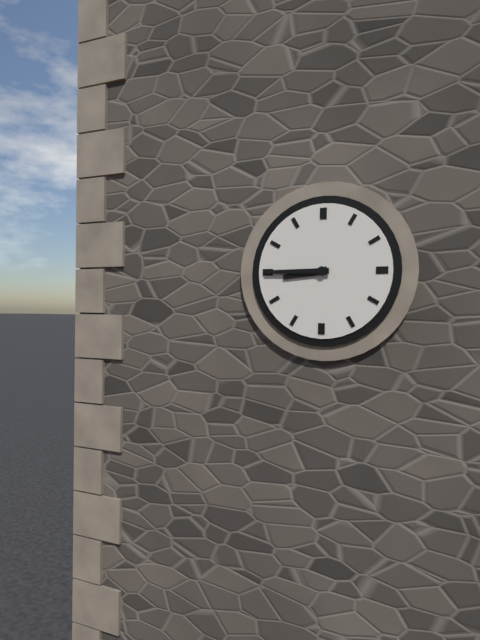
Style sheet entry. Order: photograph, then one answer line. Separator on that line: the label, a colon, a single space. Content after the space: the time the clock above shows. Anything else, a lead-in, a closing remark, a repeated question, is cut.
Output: 8:45
